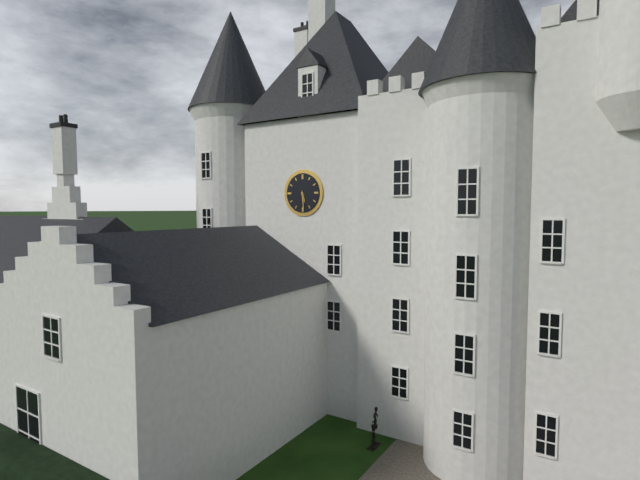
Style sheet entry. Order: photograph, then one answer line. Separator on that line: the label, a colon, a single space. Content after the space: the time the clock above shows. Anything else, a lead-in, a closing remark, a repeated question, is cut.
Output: 5:29
